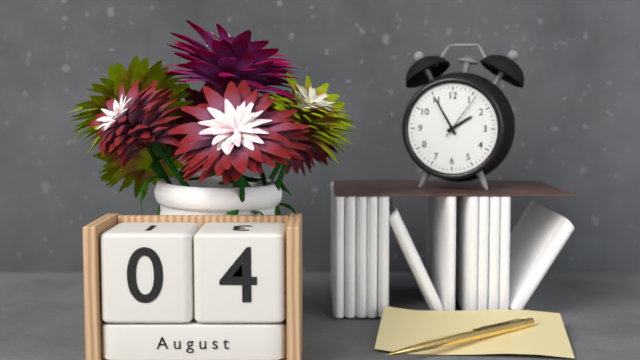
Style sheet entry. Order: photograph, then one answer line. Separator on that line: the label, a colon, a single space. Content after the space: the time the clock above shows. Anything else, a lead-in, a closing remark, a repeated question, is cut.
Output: 1:55:06
